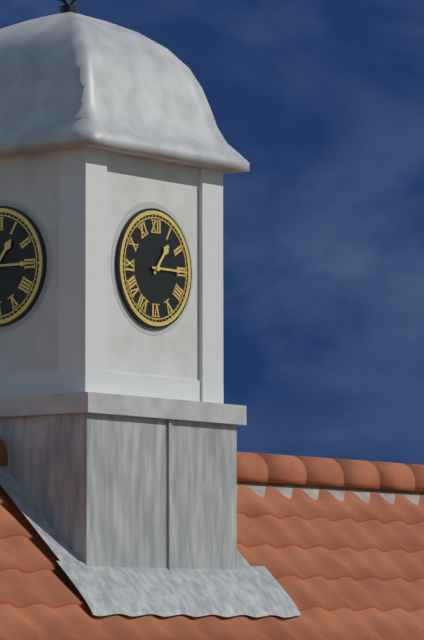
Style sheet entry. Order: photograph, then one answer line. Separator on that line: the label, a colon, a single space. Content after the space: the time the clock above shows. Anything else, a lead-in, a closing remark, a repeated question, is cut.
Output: 1:15
